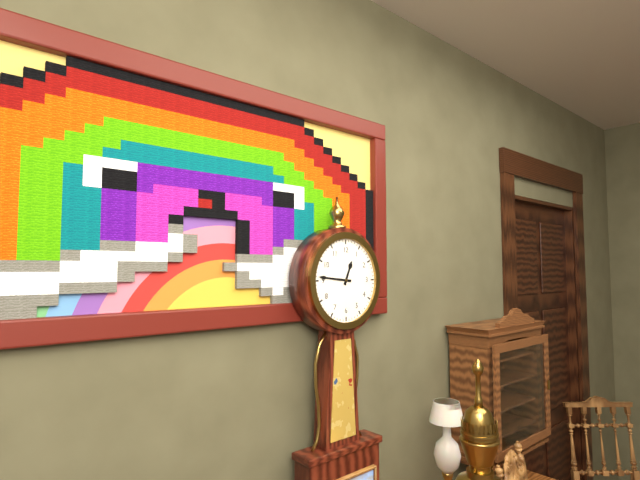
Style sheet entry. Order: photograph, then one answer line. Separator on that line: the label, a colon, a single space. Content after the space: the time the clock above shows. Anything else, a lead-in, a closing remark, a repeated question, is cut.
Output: 12:46
